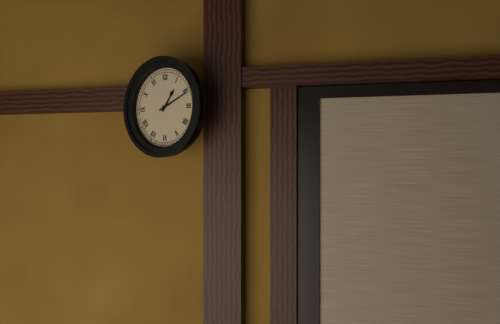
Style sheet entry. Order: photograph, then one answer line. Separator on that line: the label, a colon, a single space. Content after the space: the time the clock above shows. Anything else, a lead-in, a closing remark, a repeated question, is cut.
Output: 1:11
